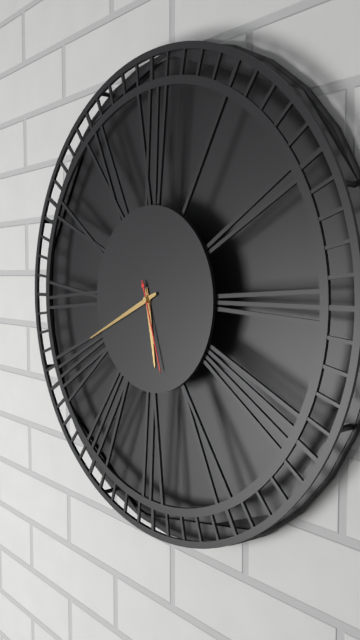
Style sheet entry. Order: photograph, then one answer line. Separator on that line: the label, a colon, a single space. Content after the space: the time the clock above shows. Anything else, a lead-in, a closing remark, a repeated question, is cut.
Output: 5:41:27
